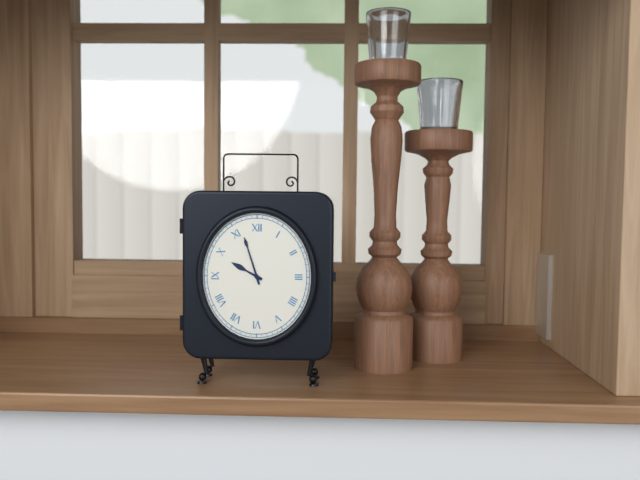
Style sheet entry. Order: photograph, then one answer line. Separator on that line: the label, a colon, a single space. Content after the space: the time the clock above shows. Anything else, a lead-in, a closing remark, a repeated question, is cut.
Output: 9:57
